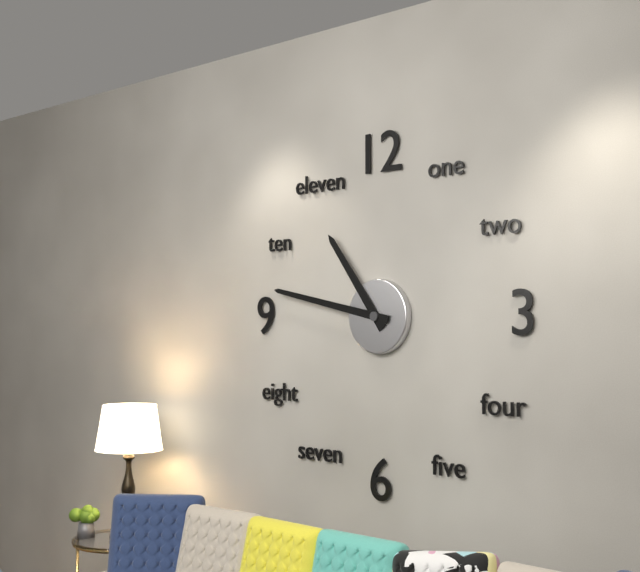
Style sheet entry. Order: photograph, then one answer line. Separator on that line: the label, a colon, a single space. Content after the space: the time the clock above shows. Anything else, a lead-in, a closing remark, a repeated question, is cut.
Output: 10:47
